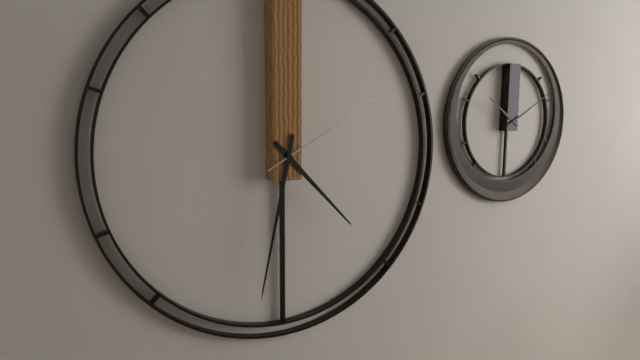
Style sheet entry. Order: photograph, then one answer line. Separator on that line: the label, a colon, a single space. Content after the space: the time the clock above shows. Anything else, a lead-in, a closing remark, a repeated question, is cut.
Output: 4:32:10
